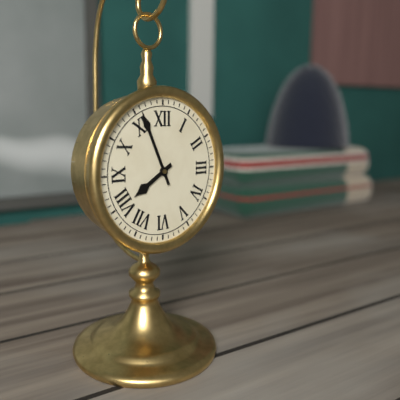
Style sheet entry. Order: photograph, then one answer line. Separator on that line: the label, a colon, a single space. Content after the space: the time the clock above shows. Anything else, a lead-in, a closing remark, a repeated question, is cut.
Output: 7:56
